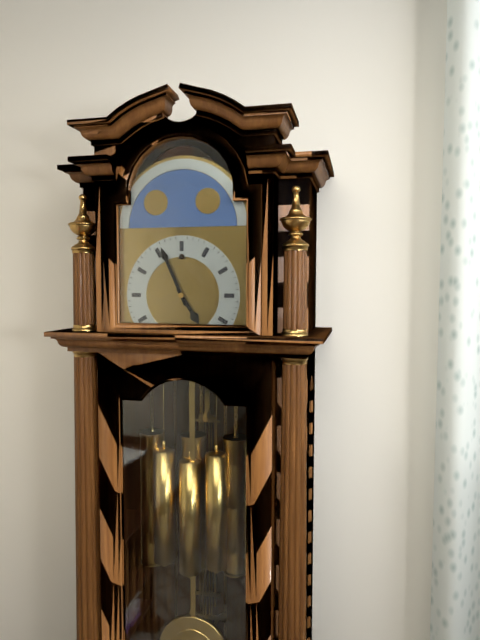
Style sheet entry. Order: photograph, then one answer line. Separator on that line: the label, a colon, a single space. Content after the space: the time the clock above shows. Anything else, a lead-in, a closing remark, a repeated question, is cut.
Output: 4:56
